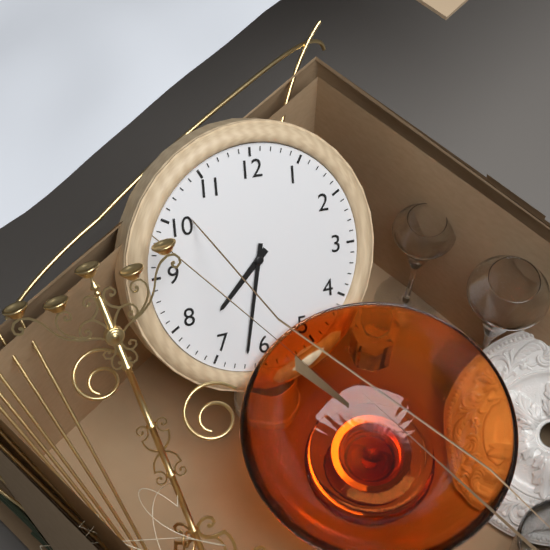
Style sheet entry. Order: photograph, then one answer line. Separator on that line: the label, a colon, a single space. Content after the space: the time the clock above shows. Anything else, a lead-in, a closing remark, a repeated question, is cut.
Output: 7:32
